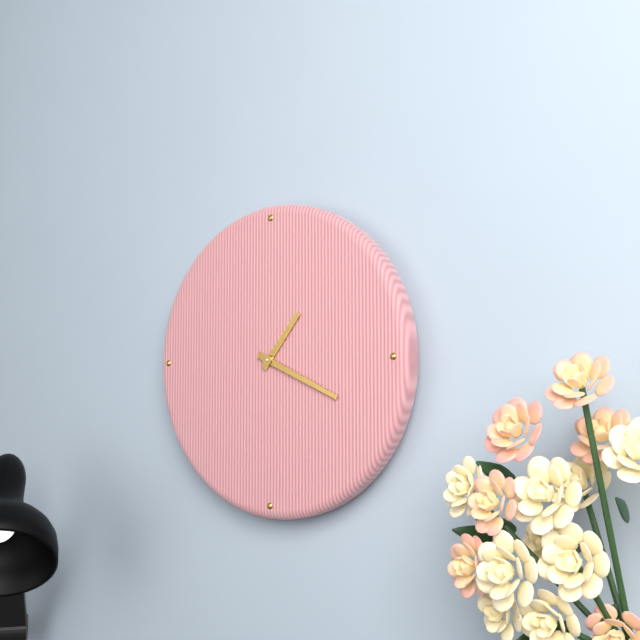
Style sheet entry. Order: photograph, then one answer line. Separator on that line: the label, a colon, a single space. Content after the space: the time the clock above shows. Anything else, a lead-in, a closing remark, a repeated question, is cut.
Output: 1:19
